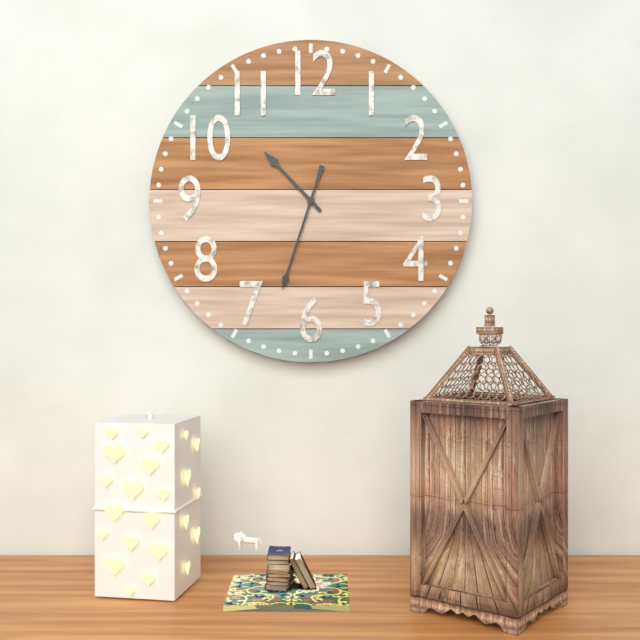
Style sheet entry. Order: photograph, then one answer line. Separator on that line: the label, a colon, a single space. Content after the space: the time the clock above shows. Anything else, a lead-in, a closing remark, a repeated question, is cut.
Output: 10:33
